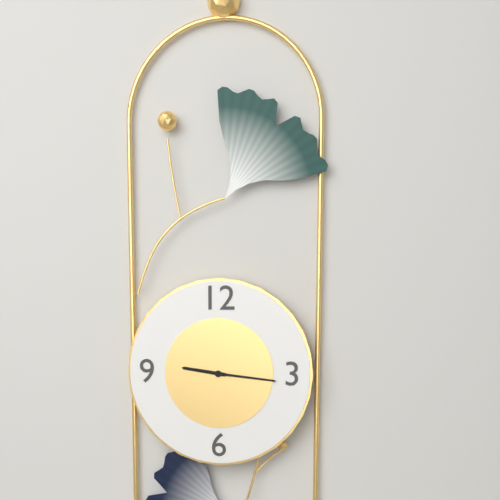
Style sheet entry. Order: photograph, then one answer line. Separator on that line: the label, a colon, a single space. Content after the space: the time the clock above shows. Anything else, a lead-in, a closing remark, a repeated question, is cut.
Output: 9:16
